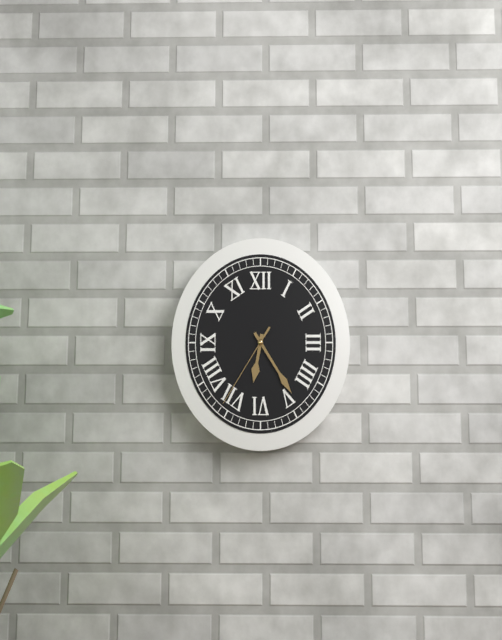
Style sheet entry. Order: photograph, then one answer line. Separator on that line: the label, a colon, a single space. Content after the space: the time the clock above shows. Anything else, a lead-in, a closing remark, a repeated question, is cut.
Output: 6:24:36
